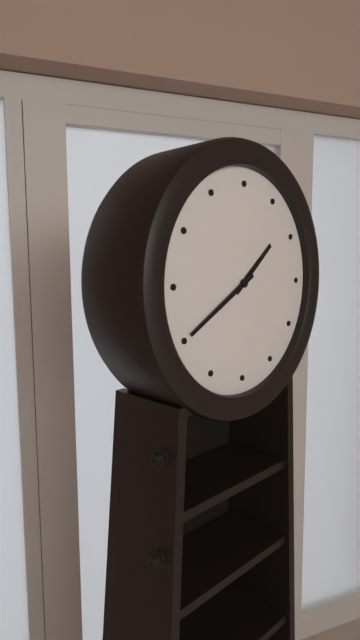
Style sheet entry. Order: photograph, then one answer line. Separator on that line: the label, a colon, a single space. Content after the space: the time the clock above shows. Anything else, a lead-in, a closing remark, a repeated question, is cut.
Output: 1:40
